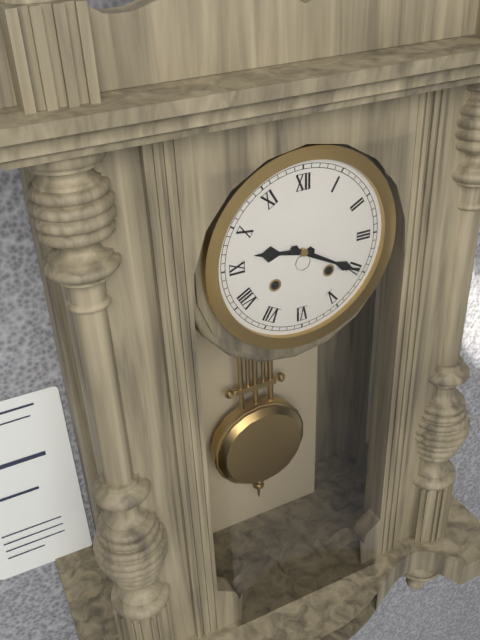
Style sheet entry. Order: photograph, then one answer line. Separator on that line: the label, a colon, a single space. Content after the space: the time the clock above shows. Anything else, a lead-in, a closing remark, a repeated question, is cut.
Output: 9:20
